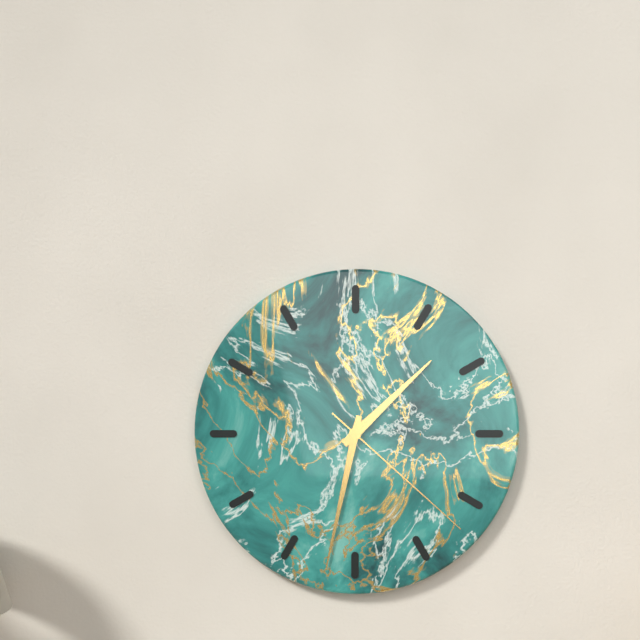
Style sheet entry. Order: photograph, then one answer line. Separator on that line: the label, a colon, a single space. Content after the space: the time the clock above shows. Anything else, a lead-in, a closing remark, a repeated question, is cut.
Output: 1:32:22
